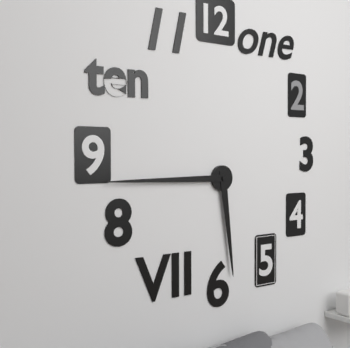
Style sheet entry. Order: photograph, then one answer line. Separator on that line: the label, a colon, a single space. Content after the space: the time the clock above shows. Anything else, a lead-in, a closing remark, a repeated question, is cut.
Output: 5:45
